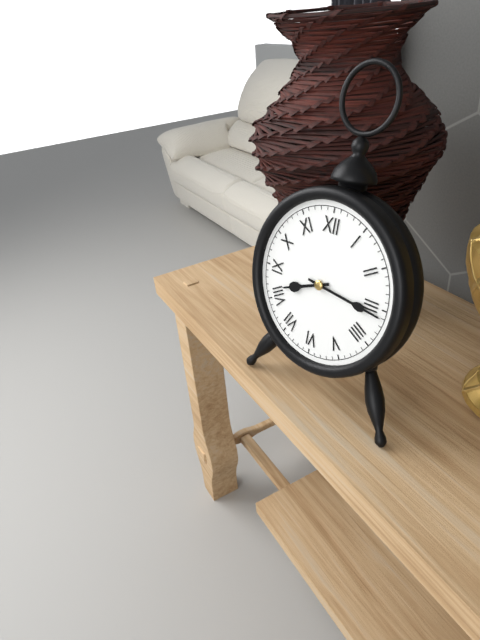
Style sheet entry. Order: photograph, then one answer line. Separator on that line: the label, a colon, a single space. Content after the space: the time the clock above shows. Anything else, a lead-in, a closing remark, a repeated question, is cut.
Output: 8:16
